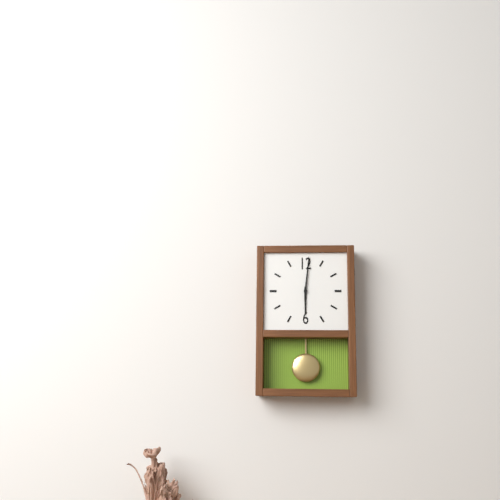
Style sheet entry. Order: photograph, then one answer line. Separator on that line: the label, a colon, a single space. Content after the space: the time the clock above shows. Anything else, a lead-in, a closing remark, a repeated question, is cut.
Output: 6:01
